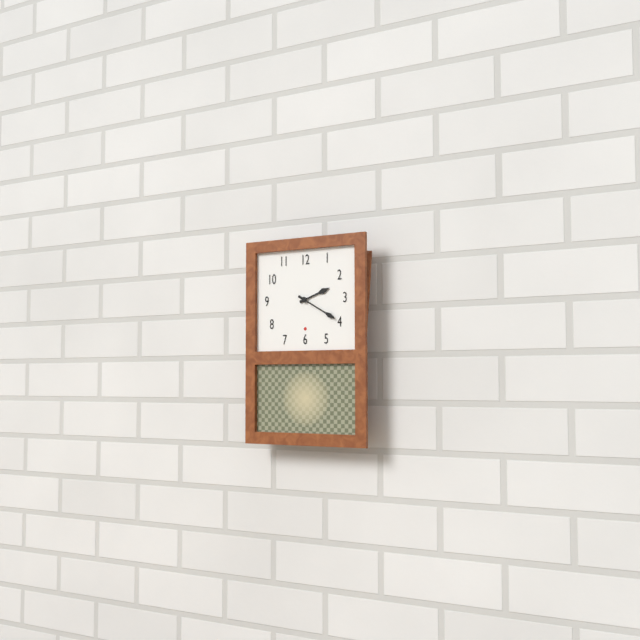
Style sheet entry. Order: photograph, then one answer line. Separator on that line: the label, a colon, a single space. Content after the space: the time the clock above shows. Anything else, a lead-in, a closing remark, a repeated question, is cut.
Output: 2:20
